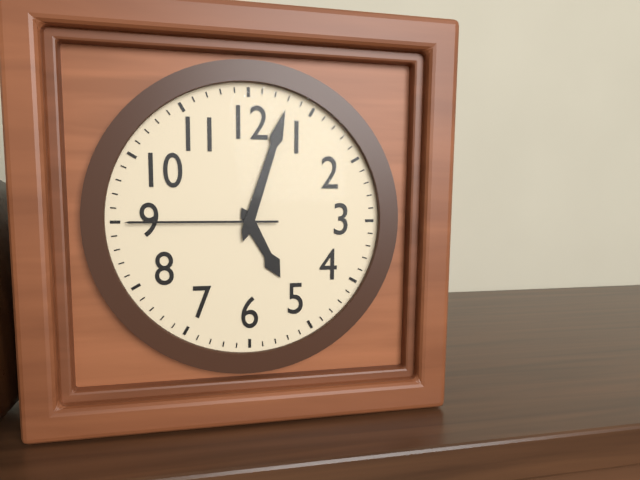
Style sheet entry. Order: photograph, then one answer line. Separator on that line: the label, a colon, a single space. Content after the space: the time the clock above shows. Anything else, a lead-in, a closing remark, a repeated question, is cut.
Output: 5:03:45
